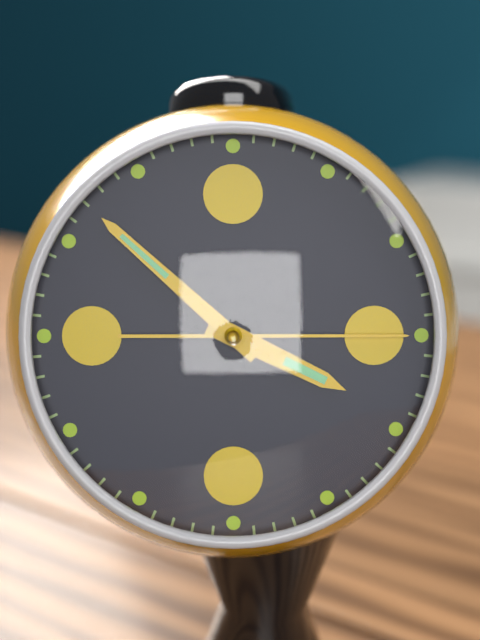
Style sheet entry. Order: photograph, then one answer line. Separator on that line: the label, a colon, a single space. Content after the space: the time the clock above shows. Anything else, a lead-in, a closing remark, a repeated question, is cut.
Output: 3:52:15
